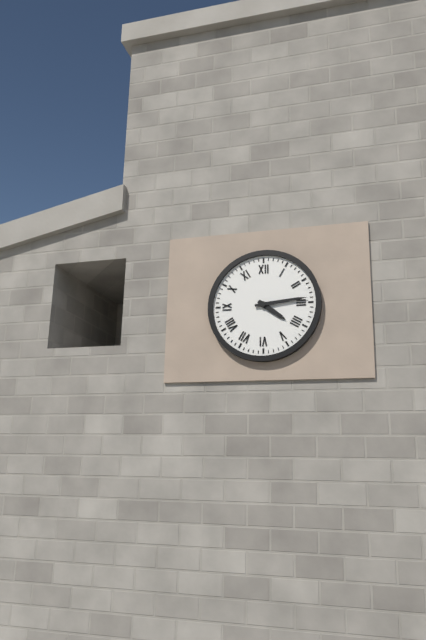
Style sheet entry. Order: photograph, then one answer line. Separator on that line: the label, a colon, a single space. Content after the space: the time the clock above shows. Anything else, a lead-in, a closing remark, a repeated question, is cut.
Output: 4:14
